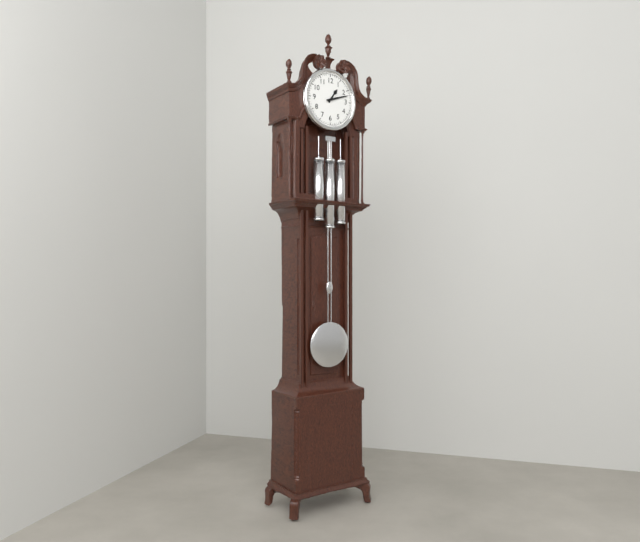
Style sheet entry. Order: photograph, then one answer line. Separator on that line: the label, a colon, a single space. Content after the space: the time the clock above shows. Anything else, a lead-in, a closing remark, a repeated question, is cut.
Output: 1:12
